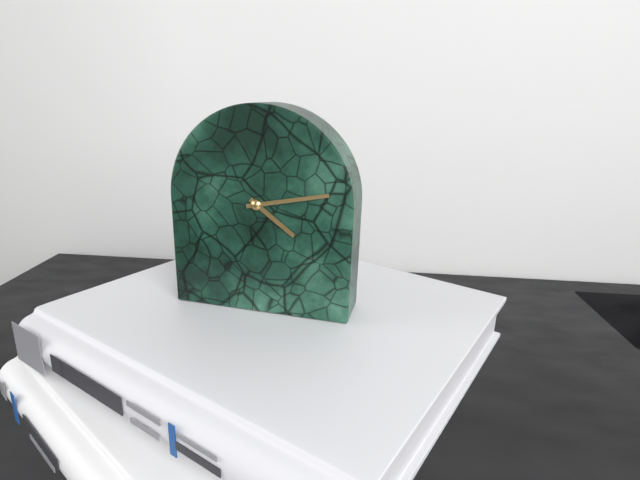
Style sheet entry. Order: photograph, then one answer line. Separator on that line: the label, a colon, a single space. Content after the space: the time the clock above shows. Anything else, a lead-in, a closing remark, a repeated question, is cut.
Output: 4:13
